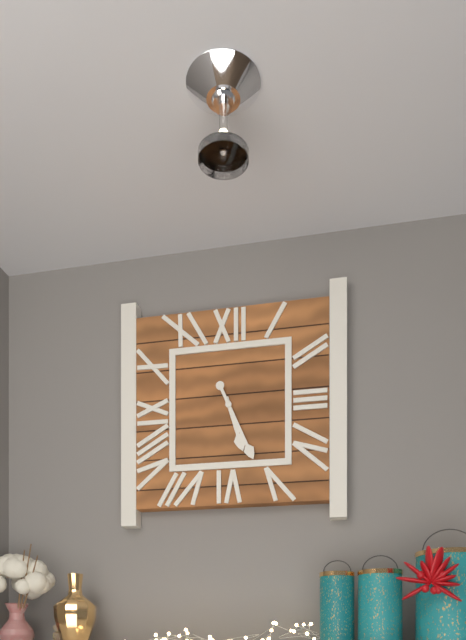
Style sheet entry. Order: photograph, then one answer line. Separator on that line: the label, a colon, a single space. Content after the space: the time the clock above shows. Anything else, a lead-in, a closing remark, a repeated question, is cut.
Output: 5:26
